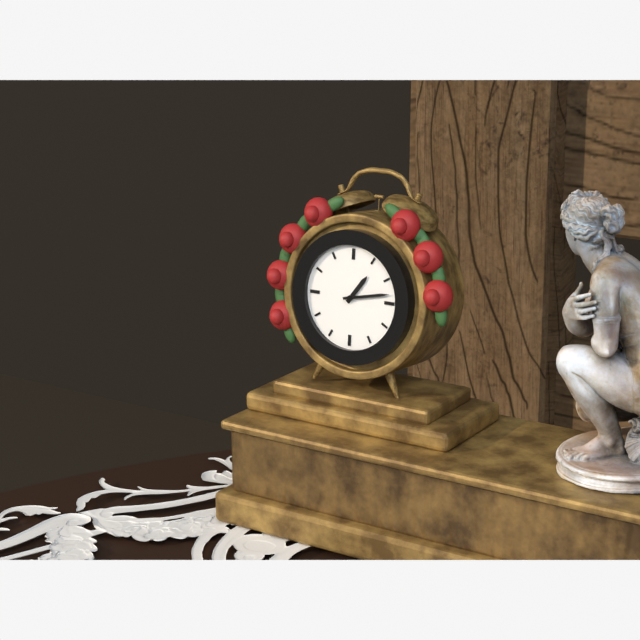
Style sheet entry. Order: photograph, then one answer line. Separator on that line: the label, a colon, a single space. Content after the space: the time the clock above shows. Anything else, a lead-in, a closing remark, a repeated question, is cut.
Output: 1:13
